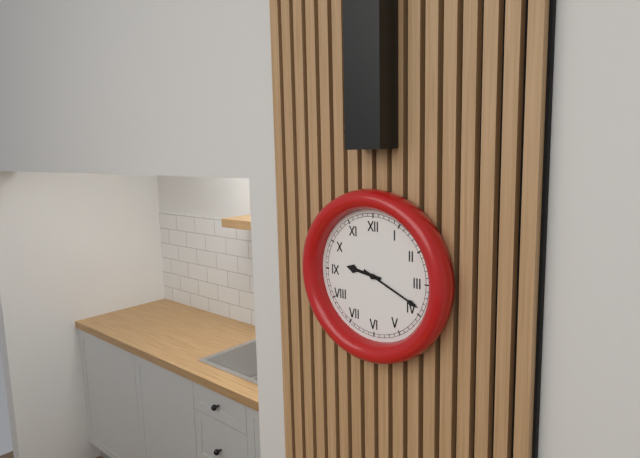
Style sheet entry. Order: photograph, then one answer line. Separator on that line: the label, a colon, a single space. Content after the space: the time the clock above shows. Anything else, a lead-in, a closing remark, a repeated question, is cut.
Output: 9:19
